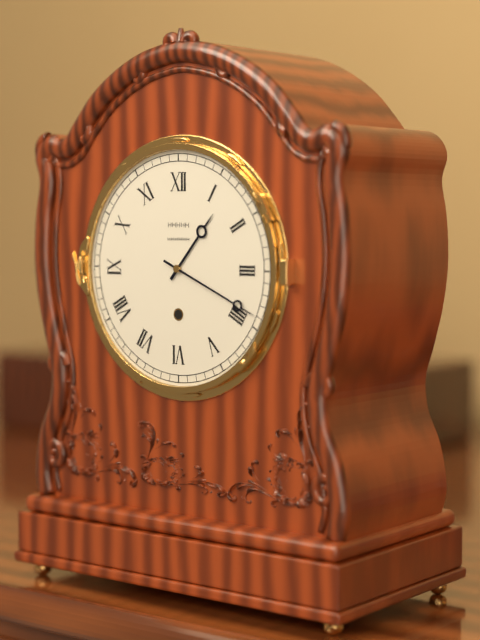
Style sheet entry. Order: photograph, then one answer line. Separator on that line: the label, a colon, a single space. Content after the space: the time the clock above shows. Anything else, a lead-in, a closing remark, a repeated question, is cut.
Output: 1:19
